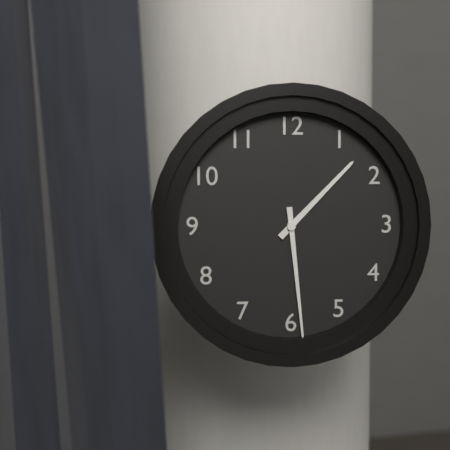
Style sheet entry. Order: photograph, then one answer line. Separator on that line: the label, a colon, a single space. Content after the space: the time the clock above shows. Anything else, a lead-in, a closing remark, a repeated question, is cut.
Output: 1:29
